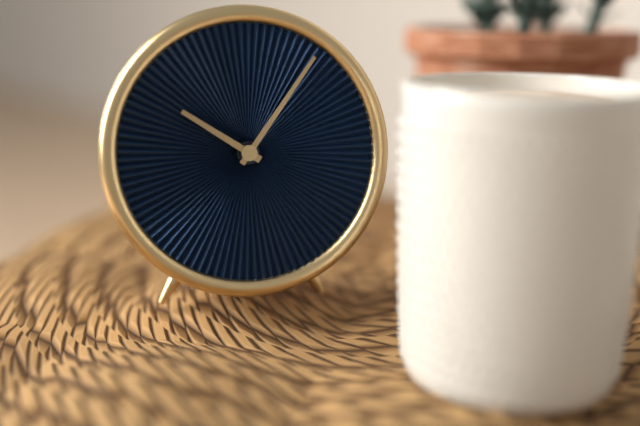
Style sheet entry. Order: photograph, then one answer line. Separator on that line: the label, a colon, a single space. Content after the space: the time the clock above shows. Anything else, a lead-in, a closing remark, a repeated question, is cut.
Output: 10:06
